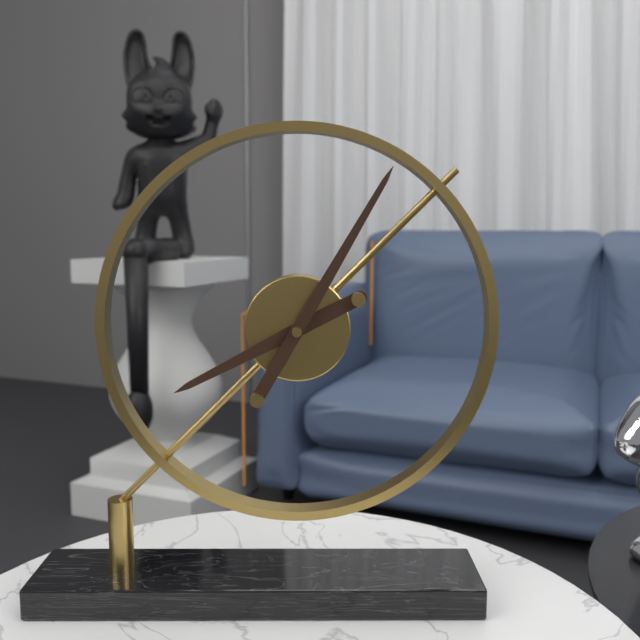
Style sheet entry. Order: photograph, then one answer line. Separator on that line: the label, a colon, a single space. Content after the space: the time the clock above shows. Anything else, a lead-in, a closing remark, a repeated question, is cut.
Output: 8:05
